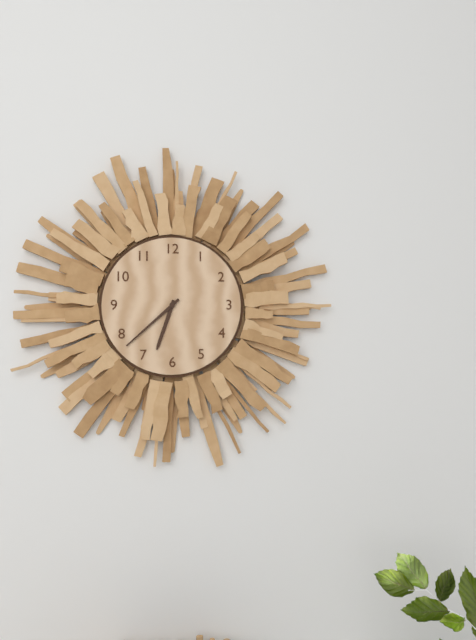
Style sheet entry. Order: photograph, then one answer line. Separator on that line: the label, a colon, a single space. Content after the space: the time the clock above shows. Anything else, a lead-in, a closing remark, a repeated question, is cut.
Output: 6:38
